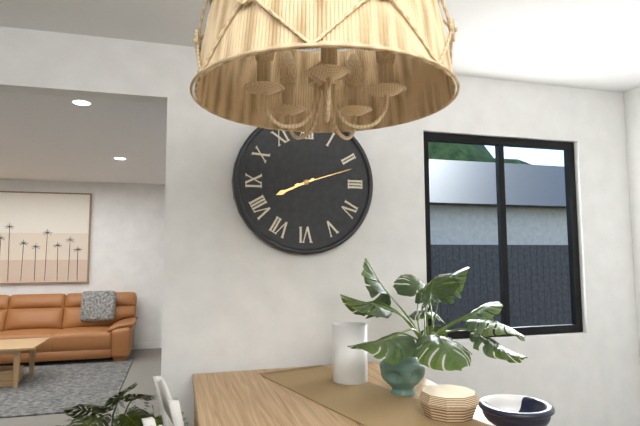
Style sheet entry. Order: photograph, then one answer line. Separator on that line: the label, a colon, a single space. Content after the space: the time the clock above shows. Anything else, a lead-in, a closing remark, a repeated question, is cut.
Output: 8:12
